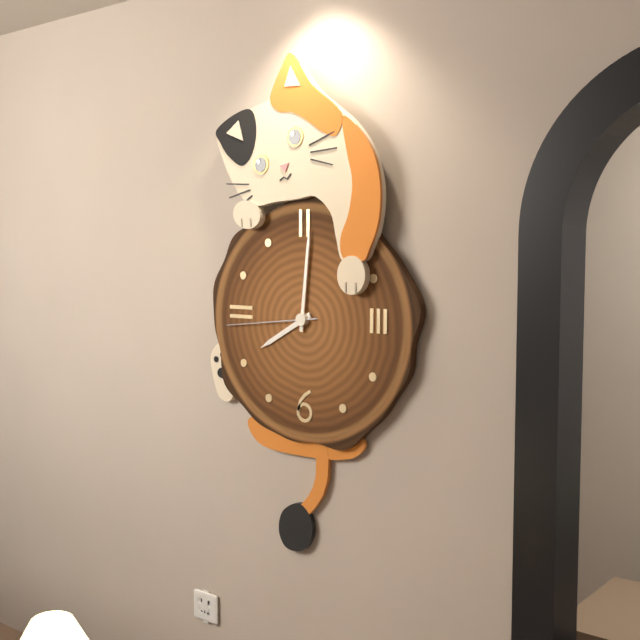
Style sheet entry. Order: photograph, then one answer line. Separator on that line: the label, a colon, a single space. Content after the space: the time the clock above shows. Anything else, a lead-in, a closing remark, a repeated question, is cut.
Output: 8:01:44
